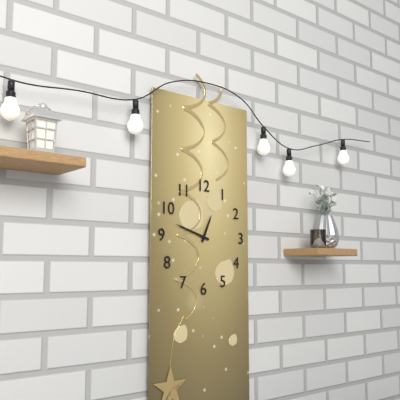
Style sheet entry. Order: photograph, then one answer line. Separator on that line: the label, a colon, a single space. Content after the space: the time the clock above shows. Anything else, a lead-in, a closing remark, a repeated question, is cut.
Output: 12:48
